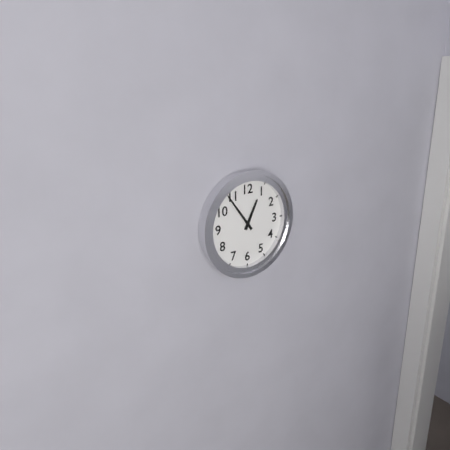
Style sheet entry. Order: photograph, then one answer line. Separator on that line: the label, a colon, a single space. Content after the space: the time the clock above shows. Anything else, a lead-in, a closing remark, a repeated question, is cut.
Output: 12:54
